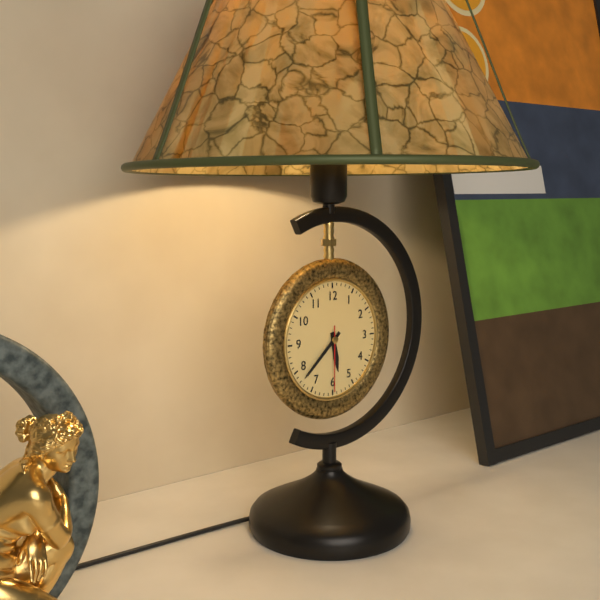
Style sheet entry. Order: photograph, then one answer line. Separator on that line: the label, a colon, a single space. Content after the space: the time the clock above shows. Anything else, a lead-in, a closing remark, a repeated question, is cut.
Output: 5:38:30
